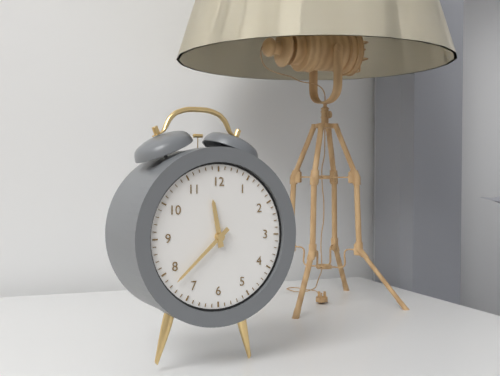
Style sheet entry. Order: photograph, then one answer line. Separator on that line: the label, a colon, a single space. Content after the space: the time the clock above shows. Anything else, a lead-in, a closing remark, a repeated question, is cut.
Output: 11:38
